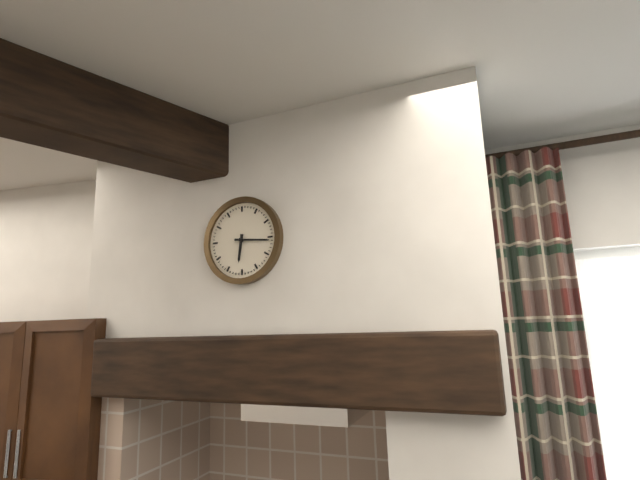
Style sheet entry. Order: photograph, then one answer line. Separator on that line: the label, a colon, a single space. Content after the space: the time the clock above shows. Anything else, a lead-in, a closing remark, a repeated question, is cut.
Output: 6:16
